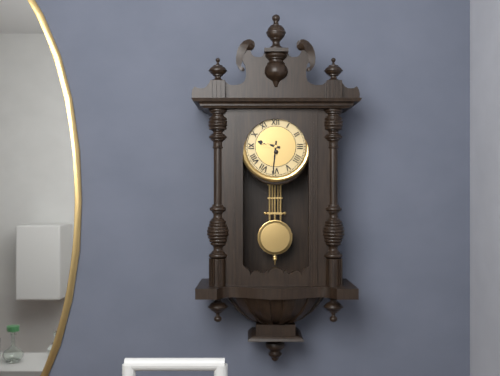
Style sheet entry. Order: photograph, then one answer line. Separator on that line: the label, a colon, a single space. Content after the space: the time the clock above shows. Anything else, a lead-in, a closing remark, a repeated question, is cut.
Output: 9:31
